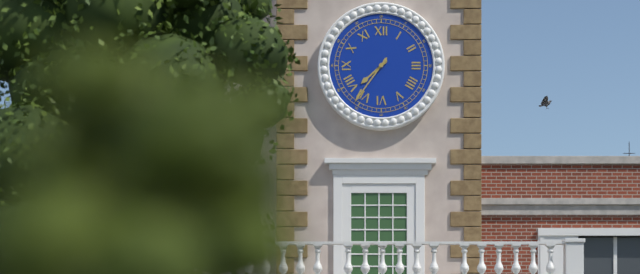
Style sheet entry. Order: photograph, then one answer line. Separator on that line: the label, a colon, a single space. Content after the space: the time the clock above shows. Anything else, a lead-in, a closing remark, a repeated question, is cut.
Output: 7:36
